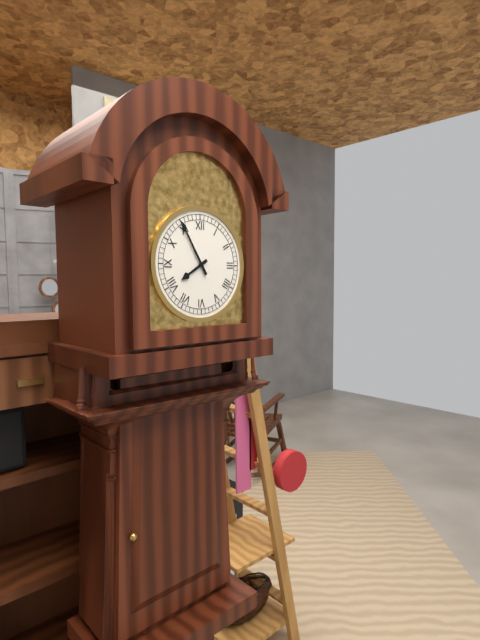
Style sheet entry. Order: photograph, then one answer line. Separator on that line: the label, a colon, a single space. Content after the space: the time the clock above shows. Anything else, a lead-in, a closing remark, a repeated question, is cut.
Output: 7:55
